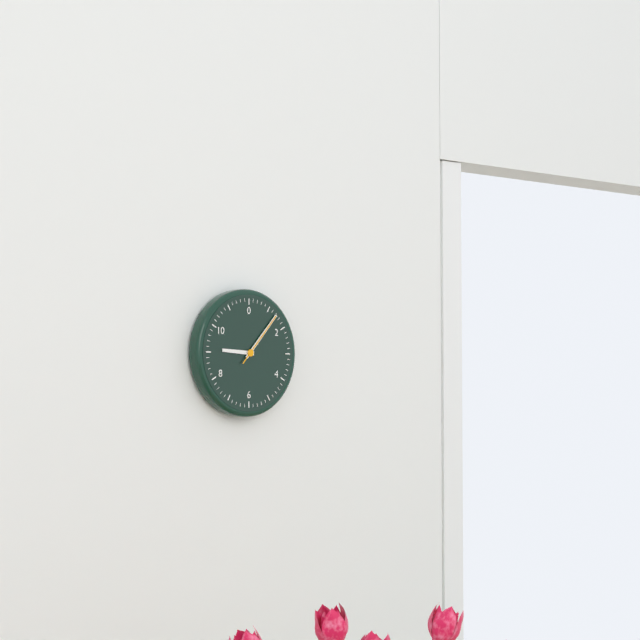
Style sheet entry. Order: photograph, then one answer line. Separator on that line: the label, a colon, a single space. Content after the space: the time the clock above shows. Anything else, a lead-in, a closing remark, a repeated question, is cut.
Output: 9:07:07
